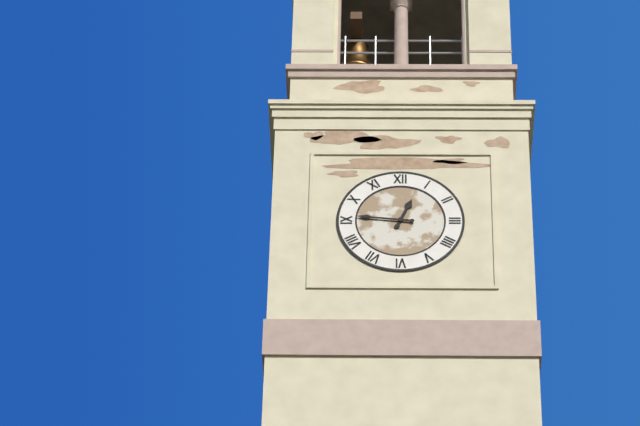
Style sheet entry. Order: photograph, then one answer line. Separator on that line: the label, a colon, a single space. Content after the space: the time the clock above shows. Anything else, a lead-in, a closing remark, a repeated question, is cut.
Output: 12:46
